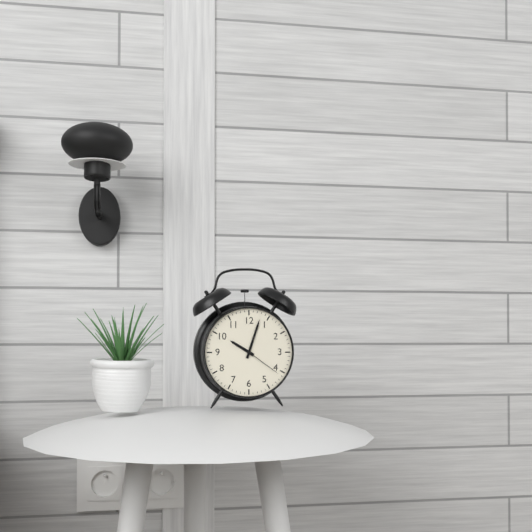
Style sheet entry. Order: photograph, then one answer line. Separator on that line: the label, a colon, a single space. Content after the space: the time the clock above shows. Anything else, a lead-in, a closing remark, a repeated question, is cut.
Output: 10:03
